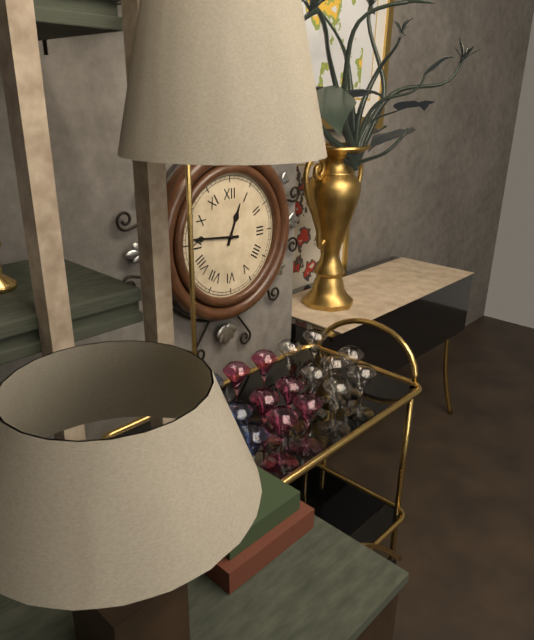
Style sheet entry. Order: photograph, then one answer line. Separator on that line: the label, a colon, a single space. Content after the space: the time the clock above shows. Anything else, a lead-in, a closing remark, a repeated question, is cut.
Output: 12:46
